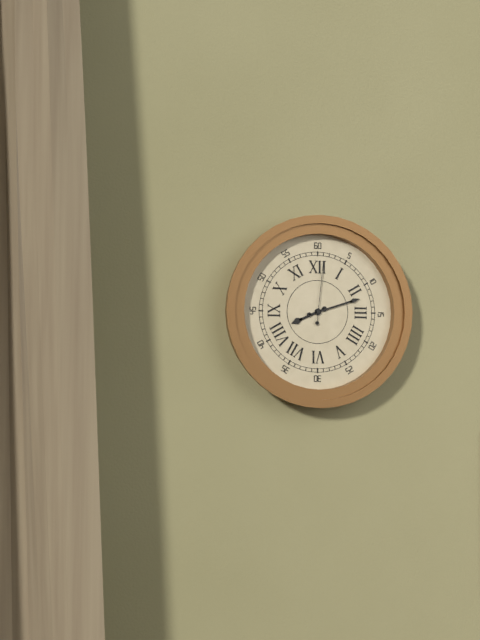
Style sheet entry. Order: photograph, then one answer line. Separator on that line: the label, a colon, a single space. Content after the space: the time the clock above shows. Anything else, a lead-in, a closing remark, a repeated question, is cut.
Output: 8:12:01
